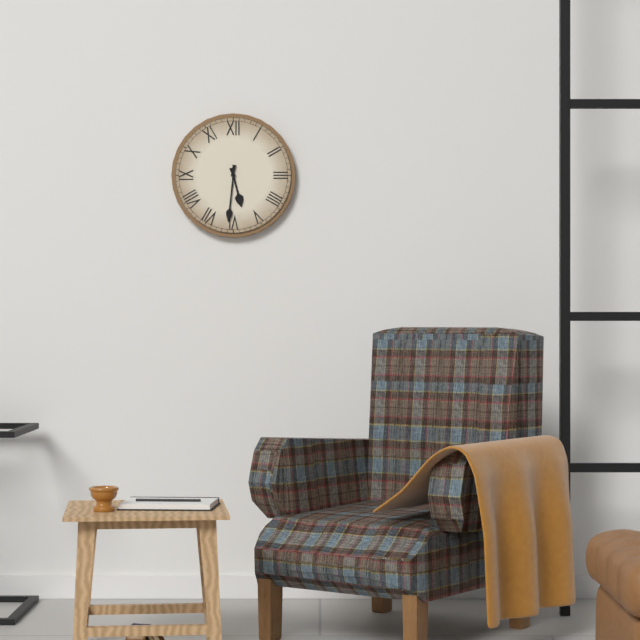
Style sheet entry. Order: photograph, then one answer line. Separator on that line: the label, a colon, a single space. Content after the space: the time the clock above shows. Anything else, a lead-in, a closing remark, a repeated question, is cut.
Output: 5:31
